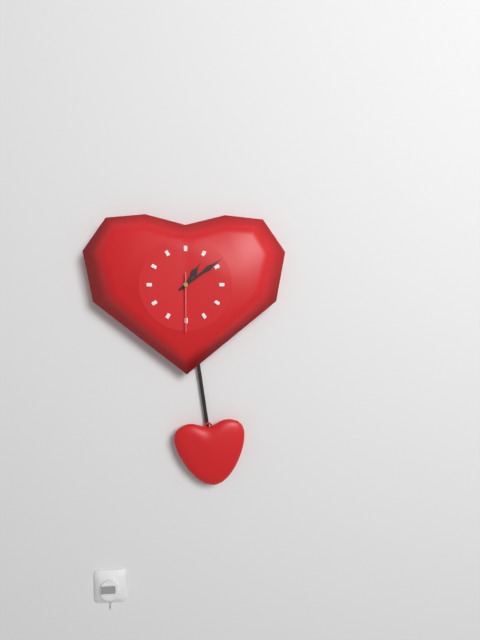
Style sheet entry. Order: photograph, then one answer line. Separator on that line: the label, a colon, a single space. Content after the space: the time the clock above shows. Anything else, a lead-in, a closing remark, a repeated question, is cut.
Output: 1:09:30
